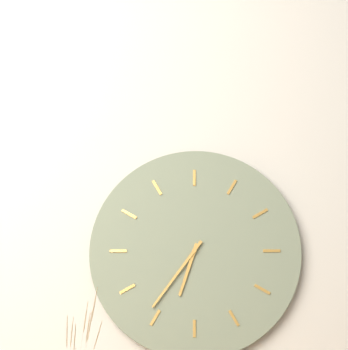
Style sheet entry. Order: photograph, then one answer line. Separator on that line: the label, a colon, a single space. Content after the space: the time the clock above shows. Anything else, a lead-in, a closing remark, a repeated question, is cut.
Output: 6:36
